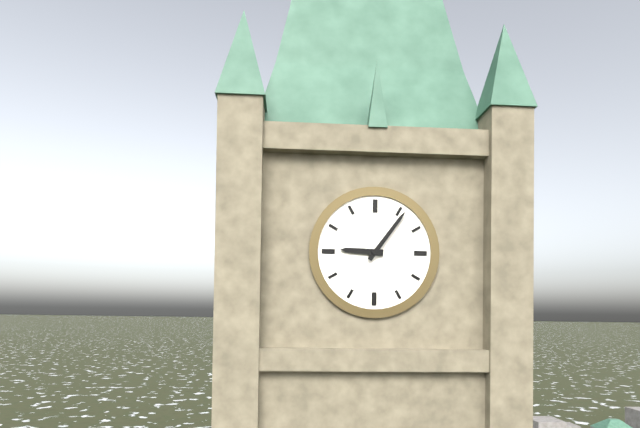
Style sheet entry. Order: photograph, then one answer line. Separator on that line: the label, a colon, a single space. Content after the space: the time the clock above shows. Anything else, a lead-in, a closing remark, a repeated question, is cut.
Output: 9:06
